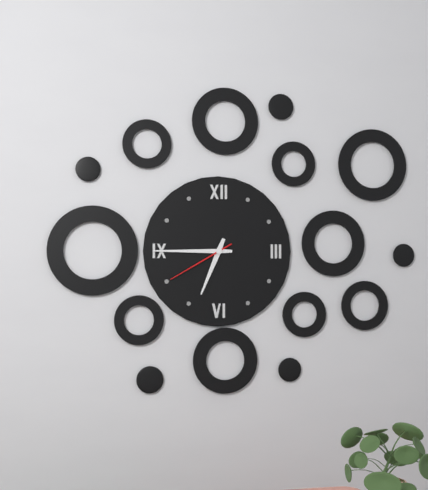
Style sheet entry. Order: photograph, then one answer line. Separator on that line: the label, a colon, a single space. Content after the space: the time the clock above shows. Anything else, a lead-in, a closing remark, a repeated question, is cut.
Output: 6:45:40
